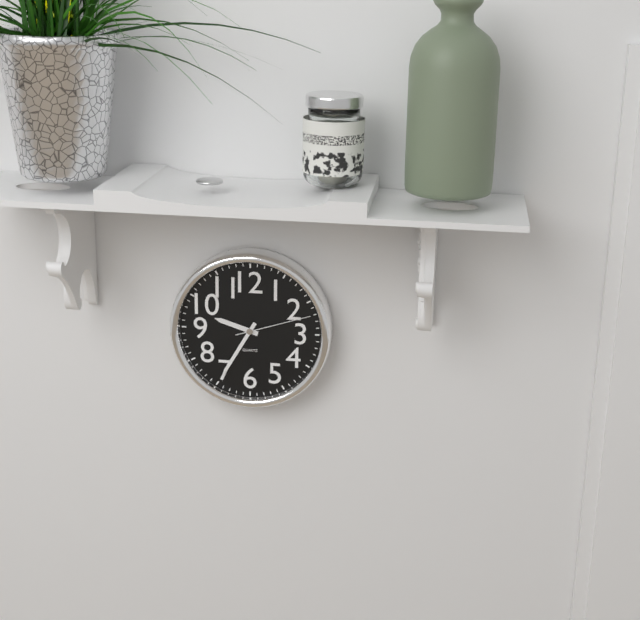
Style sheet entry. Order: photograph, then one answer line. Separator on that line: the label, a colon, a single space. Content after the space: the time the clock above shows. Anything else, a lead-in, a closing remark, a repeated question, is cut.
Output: 9:35:12
